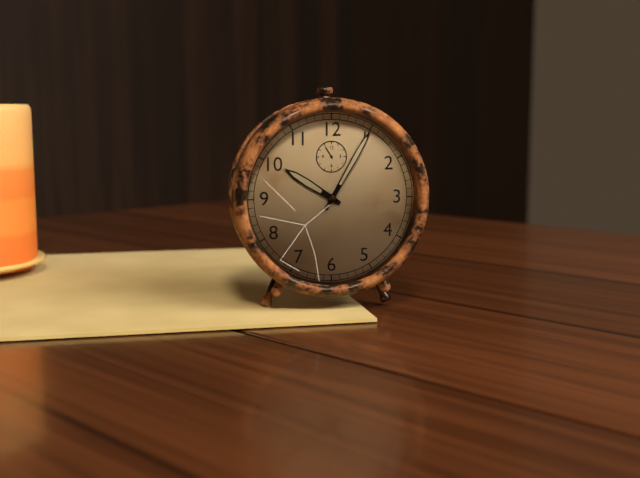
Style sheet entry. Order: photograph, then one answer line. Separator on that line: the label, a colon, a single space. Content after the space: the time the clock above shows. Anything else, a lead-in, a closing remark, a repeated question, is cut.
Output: 10:05
